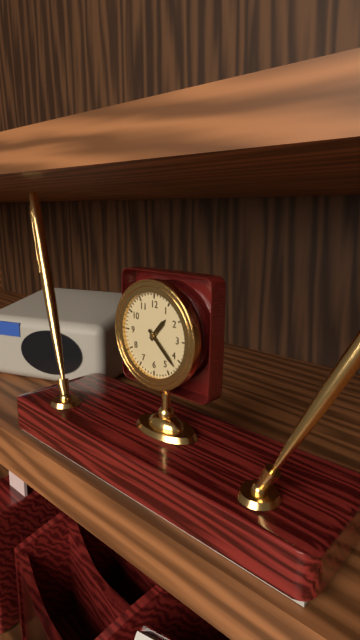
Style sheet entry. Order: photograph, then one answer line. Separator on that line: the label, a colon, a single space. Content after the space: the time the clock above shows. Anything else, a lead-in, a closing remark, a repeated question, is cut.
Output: 1:22
